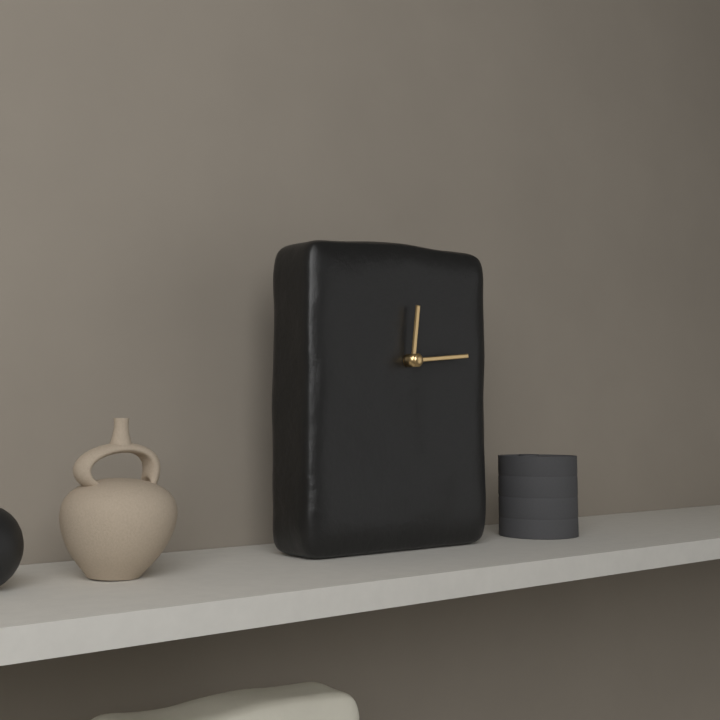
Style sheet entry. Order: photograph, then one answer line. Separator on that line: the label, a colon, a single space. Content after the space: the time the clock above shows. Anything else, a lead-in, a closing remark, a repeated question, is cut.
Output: 12:14
